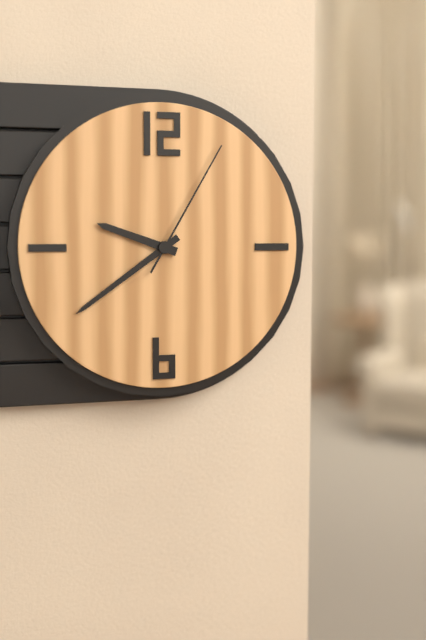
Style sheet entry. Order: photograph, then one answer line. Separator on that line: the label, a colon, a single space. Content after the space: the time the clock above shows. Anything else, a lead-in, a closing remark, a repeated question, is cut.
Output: 9:39:05
